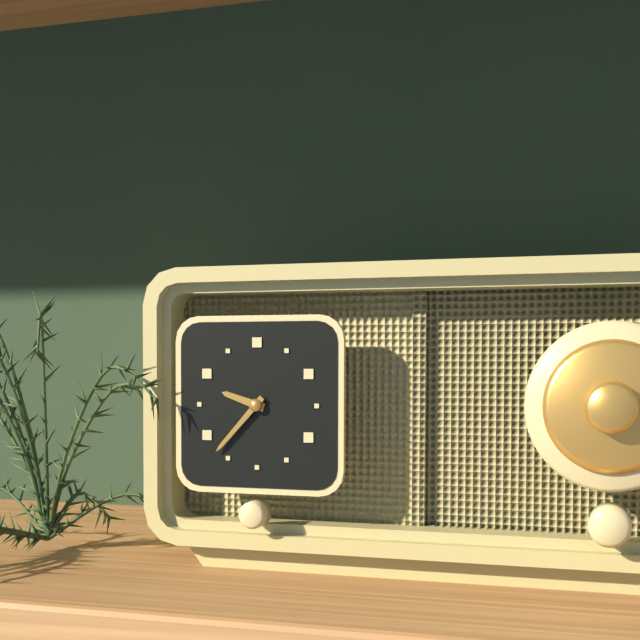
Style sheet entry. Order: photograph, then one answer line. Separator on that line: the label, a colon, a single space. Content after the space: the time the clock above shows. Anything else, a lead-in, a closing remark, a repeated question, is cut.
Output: 9:37
